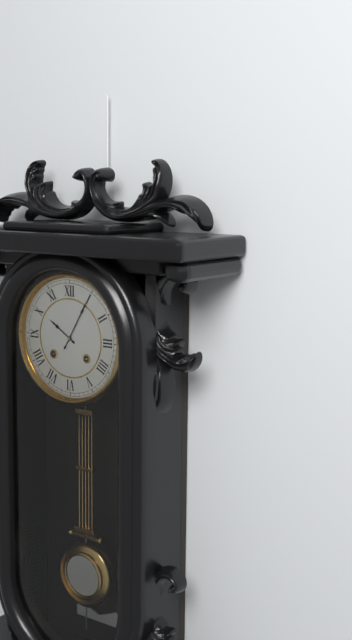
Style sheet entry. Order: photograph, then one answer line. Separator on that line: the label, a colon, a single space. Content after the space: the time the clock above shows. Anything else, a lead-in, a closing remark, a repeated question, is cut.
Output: 10:05
